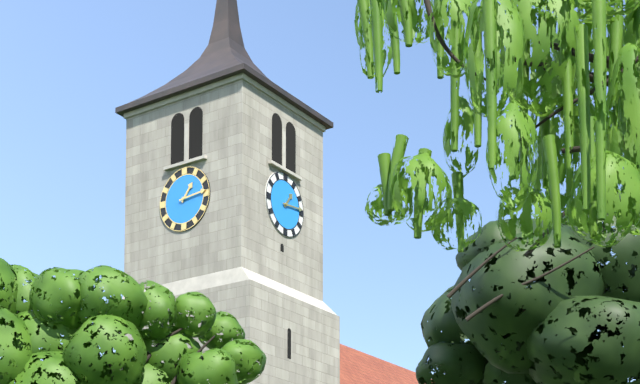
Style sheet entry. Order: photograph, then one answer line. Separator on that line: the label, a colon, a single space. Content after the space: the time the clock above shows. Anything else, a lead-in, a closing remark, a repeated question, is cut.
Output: 1:14
